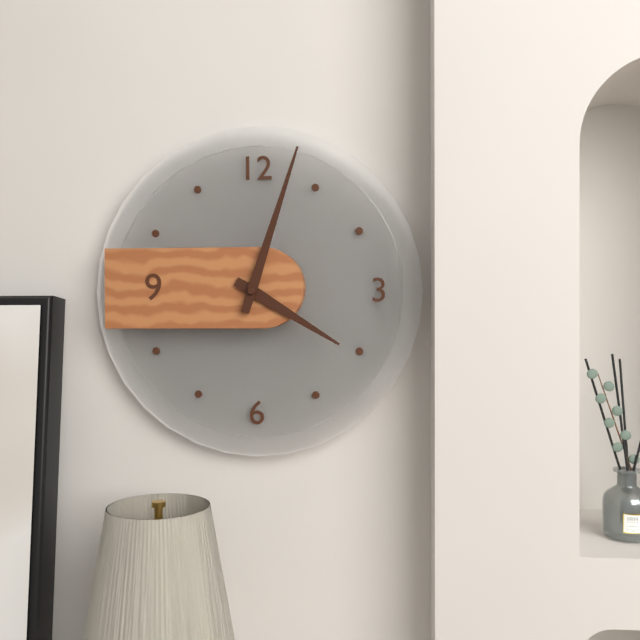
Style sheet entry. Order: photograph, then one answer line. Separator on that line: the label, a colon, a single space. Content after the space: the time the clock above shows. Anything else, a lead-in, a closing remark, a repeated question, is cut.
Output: 4:03
